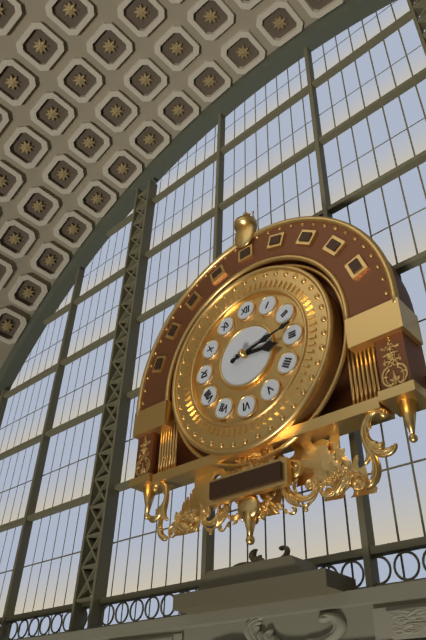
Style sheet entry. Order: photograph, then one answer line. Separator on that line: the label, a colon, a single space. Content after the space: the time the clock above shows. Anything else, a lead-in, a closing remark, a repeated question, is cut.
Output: 3:13
